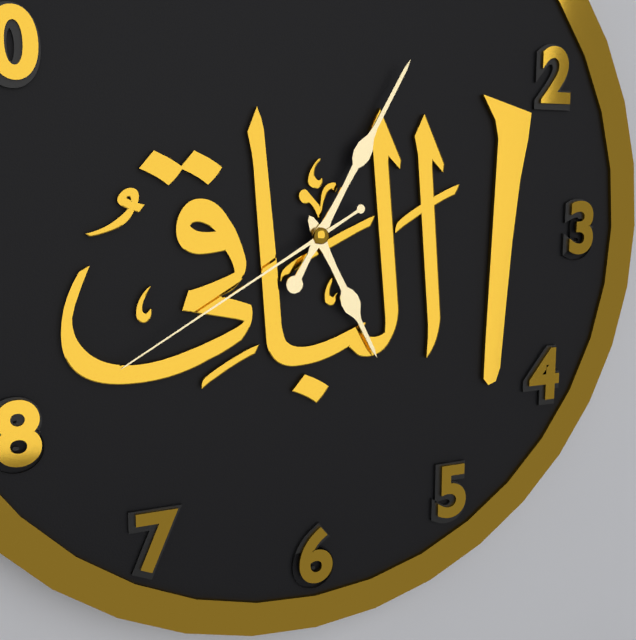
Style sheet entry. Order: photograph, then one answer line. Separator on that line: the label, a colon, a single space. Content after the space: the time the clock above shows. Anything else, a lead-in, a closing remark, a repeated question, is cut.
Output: 5:05:40
